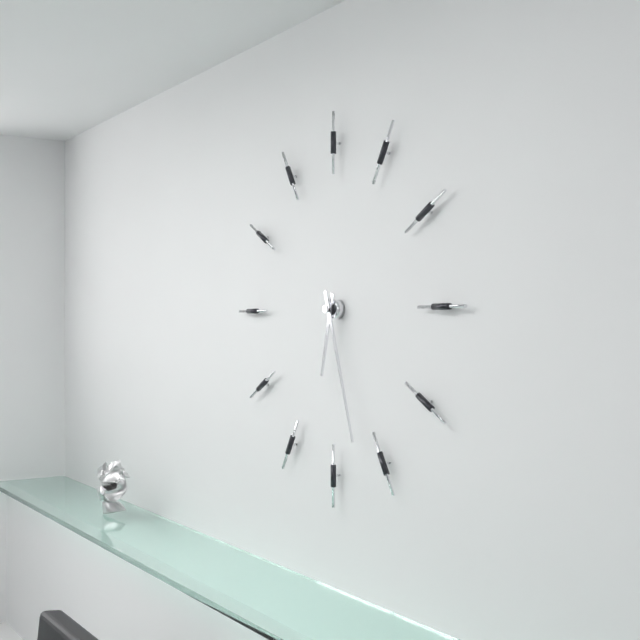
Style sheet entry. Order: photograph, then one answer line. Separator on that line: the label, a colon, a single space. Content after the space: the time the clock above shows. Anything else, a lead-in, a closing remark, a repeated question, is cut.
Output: 6:27
